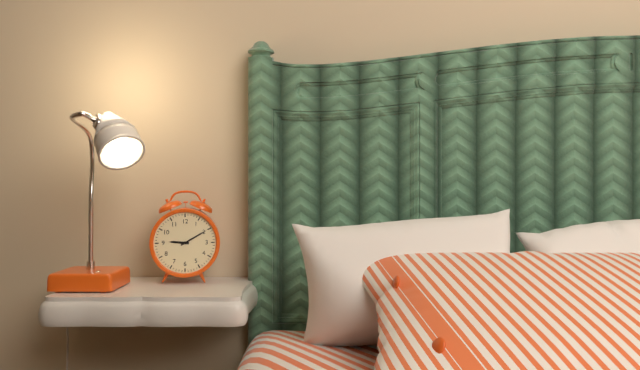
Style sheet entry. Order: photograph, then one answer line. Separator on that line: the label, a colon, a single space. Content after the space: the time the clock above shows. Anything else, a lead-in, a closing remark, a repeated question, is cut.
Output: 9:10
